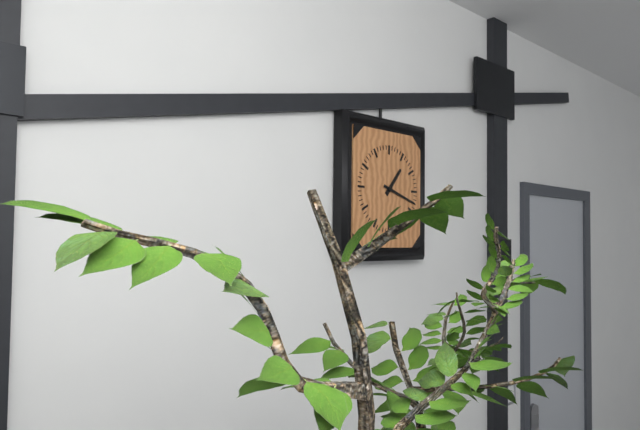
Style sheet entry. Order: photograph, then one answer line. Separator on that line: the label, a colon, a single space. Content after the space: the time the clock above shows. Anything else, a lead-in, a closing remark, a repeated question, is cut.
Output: 1:18
